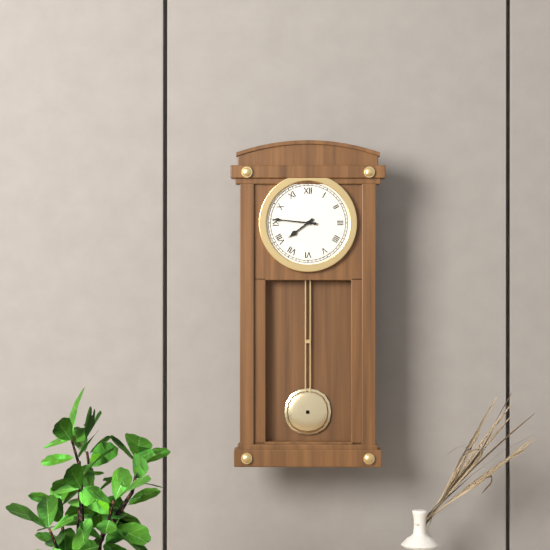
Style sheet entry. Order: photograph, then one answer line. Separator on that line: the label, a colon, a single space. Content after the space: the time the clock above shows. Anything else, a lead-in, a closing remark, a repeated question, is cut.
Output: 7:46
